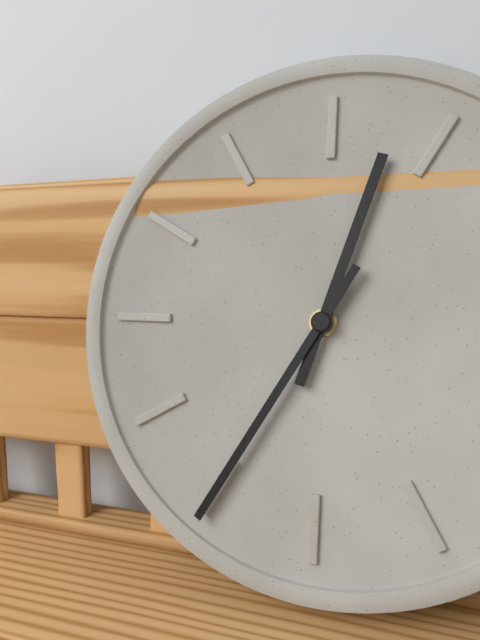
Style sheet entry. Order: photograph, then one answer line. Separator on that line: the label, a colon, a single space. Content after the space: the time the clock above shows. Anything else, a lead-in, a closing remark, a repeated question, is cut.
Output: 12:35
